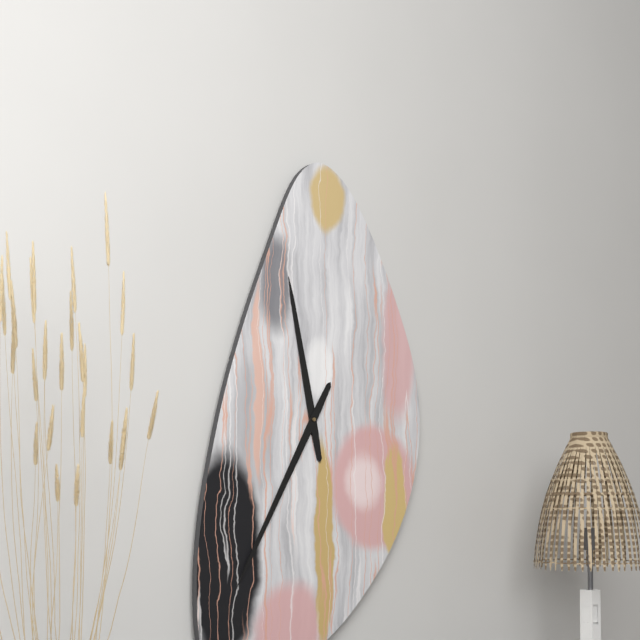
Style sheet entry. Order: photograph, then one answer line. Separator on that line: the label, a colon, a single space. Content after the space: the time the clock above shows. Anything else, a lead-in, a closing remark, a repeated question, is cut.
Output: 11:35
